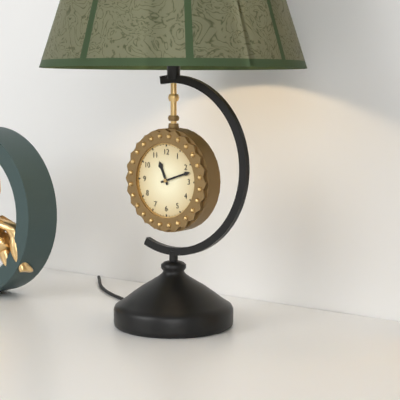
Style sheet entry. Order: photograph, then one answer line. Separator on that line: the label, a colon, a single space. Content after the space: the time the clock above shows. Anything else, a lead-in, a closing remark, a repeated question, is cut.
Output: 11:12
